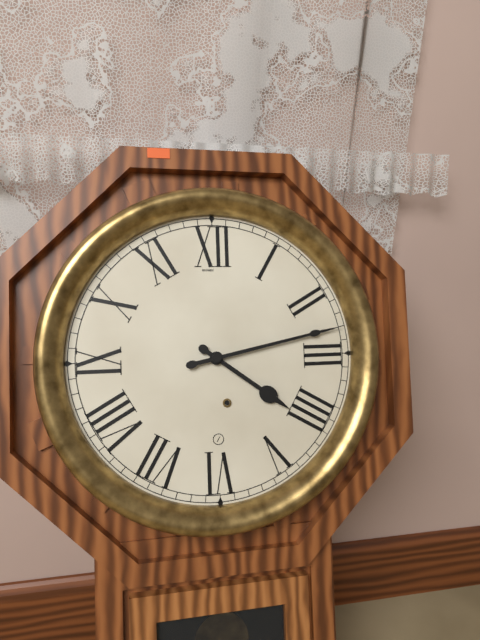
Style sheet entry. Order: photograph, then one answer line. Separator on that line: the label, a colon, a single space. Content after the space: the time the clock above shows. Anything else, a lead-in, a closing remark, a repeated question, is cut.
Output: 4:13
